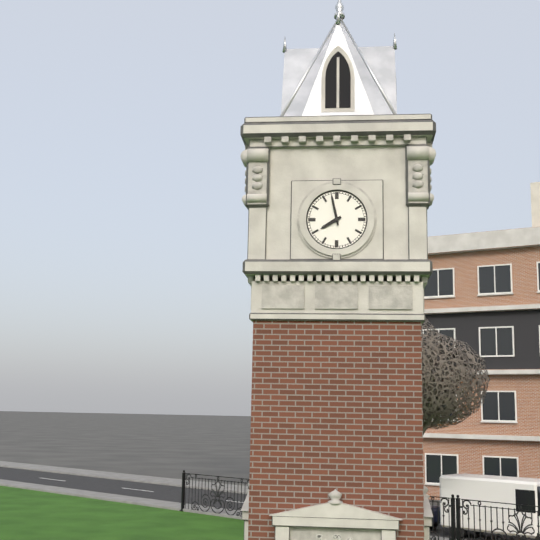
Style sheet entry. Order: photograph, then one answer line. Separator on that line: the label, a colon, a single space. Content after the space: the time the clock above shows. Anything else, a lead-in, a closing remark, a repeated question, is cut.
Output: 7:58
